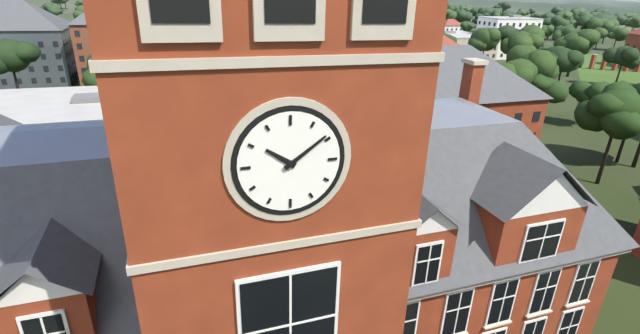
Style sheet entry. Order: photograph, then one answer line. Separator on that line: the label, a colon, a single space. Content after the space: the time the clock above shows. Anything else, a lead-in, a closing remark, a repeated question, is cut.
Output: 10:09
